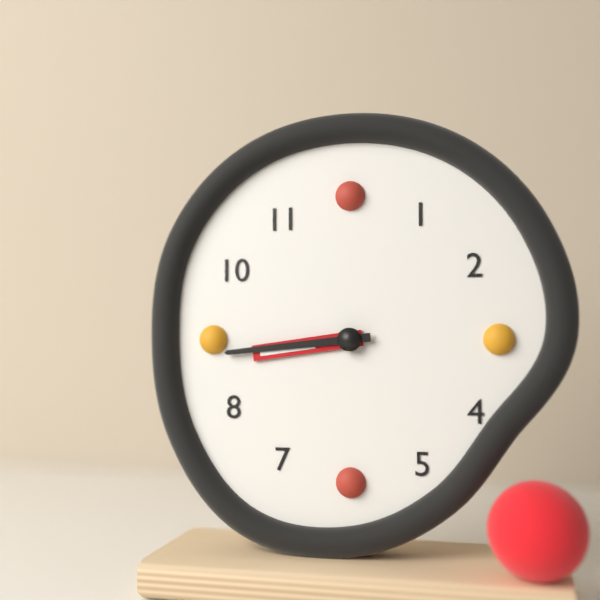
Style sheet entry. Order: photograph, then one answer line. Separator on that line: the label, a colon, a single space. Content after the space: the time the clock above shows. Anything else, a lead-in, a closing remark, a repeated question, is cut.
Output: 8:44
